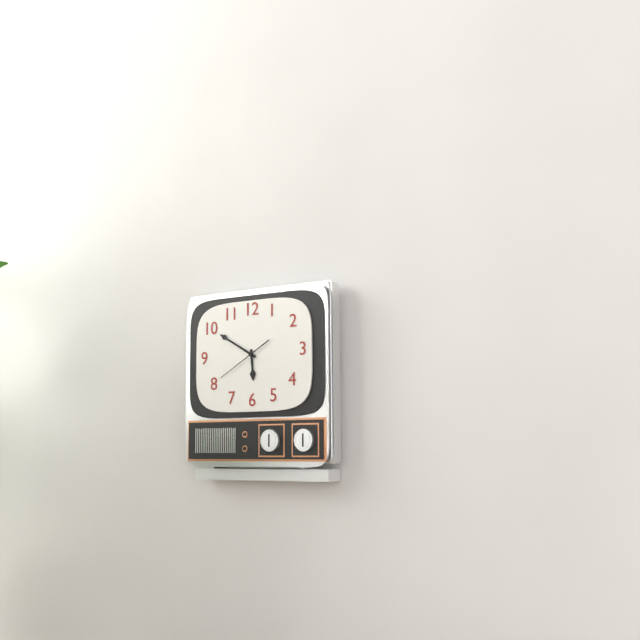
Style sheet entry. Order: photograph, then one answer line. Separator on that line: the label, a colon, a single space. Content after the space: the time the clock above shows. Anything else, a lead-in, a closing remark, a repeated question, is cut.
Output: 5:50
